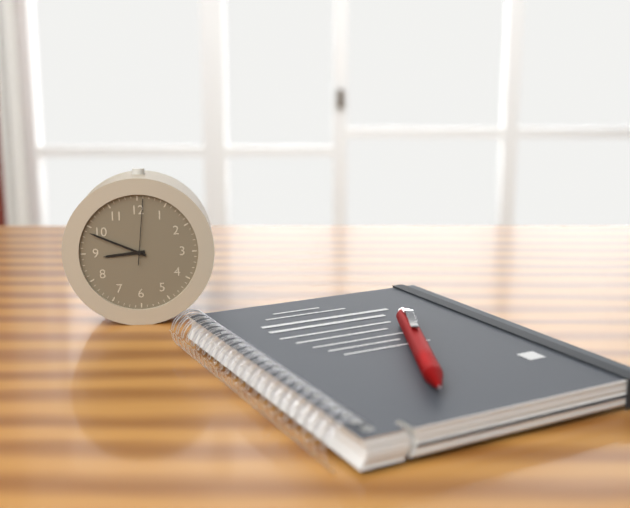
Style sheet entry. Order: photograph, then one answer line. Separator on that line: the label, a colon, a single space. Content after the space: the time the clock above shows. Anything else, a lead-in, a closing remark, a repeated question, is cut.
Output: 8:49:01
